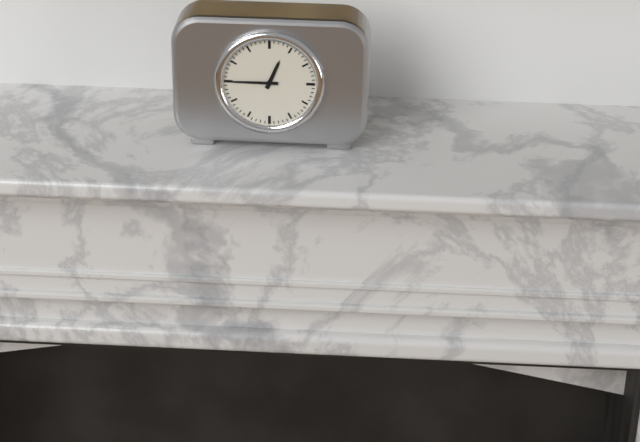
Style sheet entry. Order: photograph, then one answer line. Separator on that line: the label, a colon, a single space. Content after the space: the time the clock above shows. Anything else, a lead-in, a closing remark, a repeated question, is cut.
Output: 12:45
